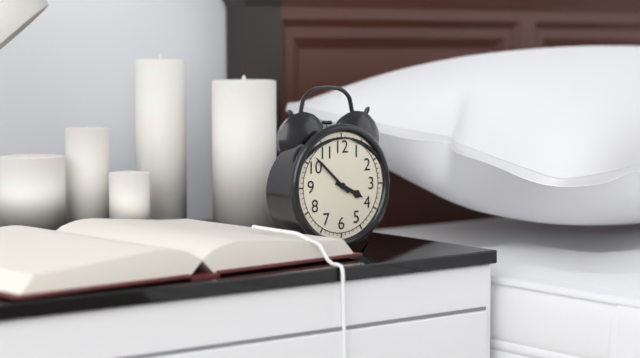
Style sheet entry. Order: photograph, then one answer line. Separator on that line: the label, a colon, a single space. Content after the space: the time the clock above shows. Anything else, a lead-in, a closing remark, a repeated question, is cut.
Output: 3:52
